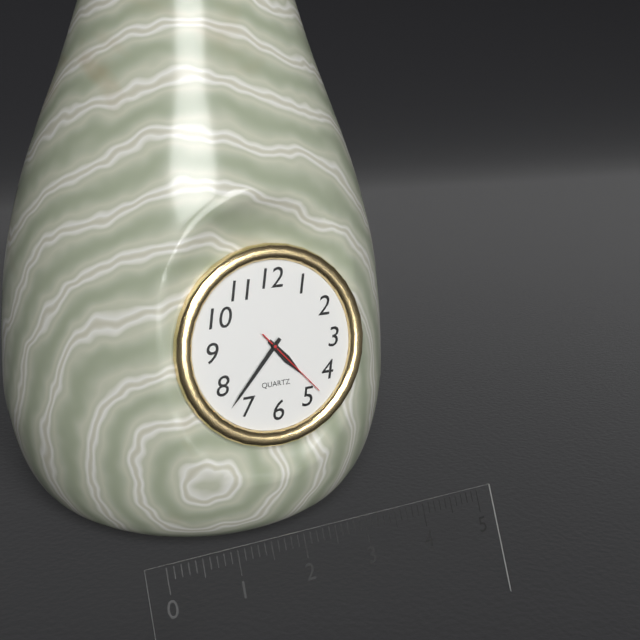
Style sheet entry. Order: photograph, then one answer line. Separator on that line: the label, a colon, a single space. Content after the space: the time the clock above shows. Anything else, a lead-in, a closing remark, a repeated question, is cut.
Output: 4:37:23
